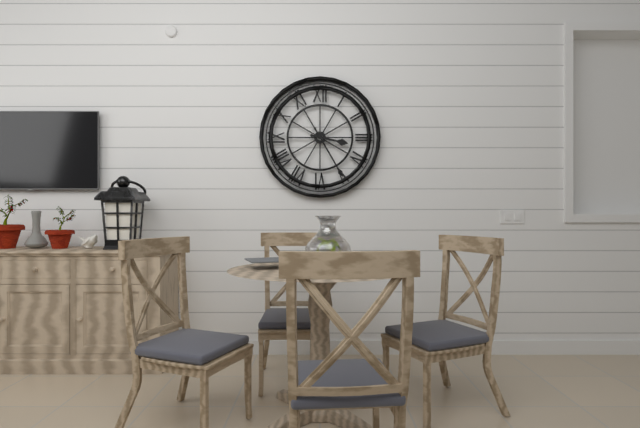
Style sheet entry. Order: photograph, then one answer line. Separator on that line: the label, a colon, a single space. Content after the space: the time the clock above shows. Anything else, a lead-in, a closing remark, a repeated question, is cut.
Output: 3:25
